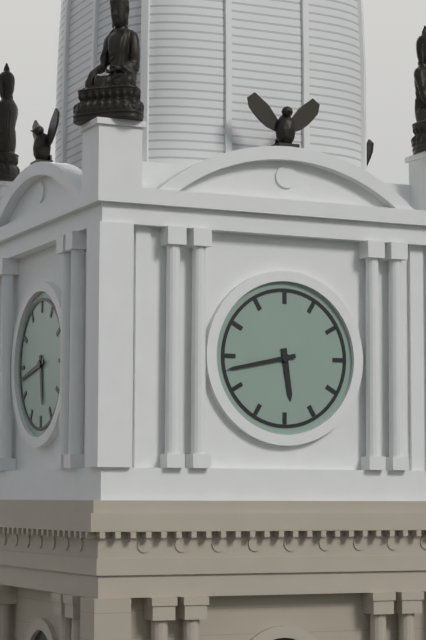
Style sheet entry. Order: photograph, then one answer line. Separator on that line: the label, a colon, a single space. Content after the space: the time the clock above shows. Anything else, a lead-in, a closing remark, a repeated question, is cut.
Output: 5:43
